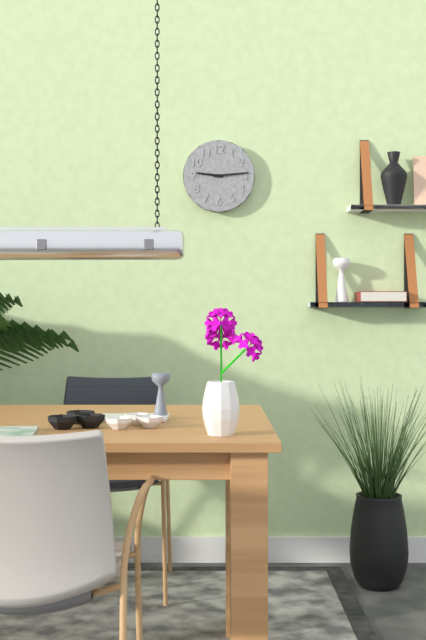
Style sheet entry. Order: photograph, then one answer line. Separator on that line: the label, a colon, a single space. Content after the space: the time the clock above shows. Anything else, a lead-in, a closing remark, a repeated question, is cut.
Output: 9:14
